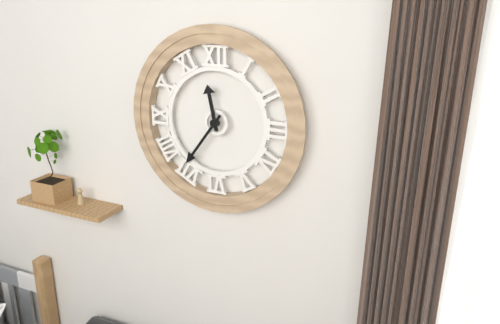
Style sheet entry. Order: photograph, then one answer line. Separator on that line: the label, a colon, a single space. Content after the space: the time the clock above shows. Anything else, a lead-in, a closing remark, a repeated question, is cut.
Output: 11:36
